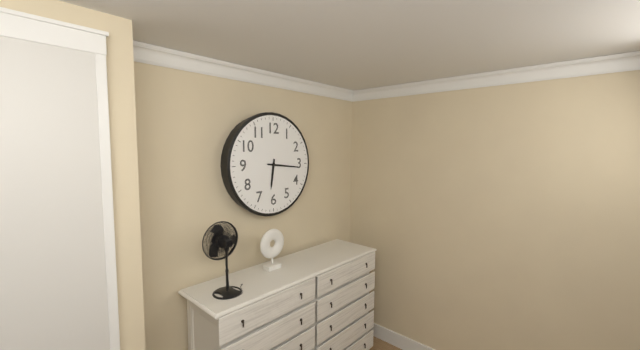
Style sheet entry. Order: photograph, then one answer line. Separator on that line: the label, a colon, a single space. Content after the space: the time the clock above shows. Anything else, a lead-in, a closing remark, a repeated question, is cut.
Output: 6:16
